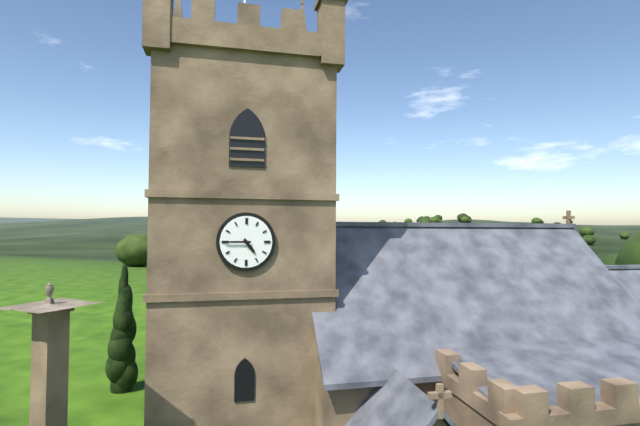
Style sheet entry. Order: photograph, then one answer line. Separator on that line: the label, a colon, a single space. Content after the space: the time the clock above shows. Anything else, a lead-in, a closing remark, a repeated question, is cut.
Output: 4:45
